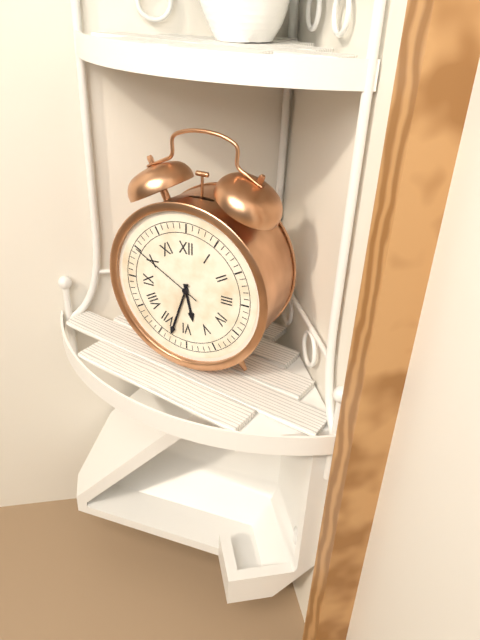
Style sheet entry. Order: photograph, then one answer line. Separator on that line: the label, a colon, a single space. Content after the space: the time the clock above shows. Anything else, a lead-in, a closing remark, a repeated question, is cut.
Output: 5:33:50
